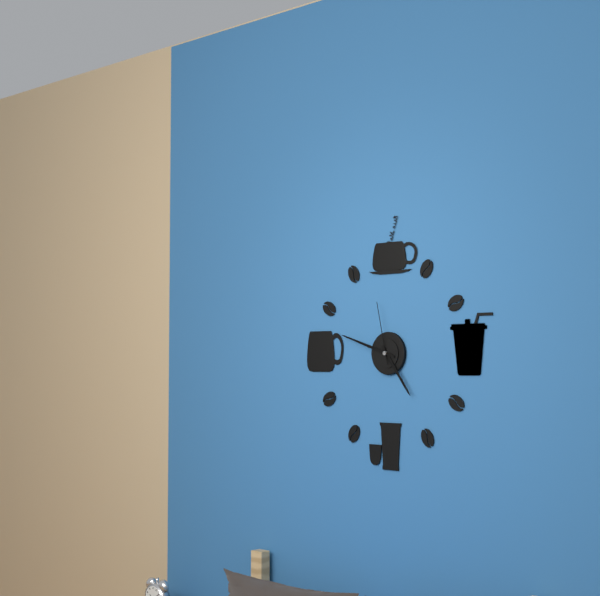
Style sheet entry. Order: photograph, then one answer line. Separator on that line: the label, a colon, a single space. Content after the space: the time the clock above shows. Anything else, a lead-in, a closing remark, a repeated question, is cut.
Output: 4:48:58
